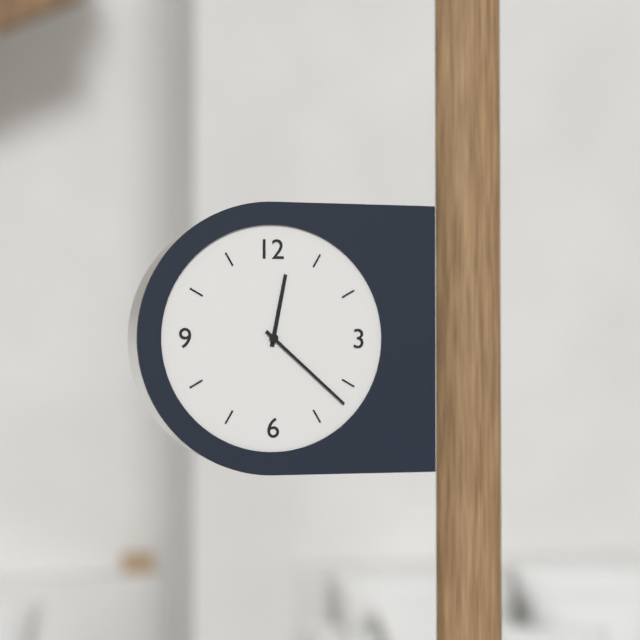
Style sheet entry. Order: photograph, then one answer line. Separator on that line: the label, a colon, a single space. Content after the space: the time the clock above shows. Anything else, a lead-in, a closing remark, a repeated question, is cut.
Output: 12:22
